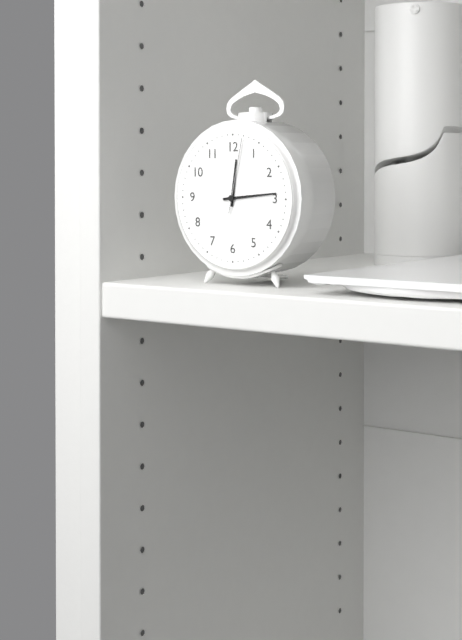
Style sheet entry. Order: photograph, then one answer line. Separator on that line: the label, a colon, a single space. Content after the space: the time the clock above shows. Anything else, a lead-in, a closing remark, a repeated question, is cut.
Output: 12:14:02
